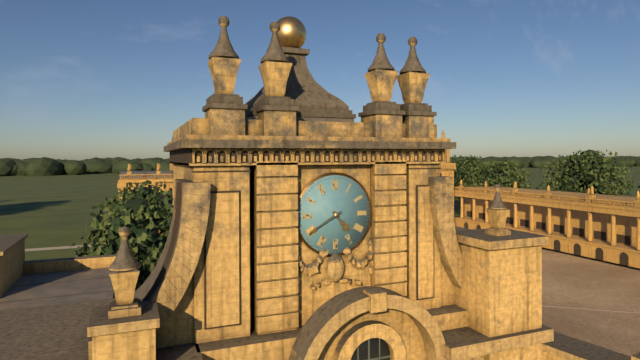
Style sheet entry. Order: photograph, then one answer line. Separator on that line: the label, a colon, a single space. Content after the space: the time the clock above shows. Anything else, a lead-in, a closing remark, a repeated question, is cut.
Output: 4:40
